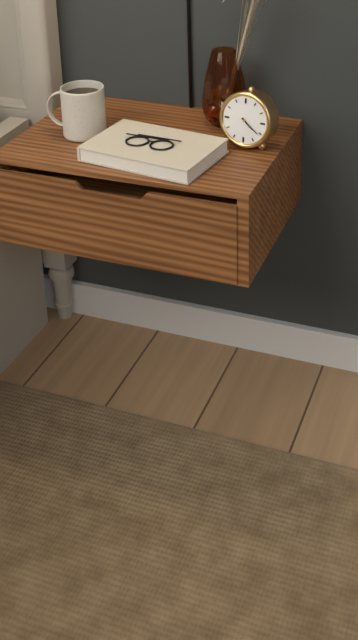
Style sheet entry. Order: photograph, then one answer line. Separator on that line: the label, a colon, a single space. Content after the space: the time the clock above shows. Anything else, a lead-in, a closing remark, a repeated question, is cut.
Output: 4:21
